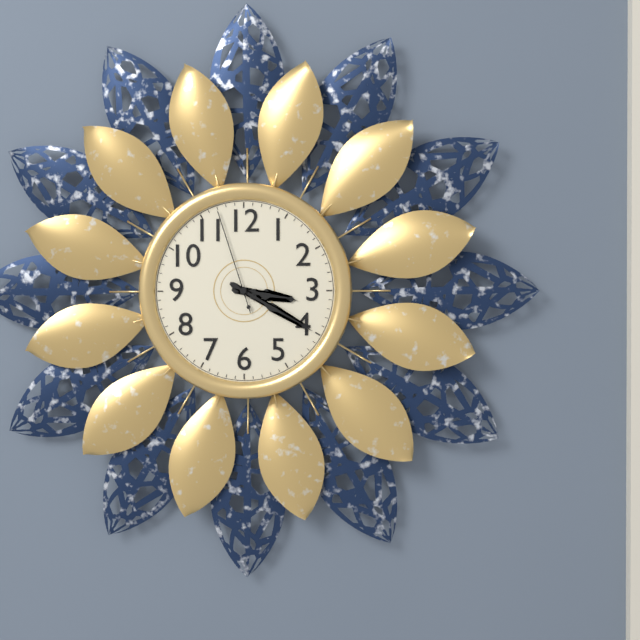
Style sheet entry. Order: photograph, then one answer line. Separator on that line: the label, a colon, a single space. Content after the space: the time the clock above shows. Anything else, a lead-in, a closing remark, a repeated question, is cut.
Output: 3:20:57
